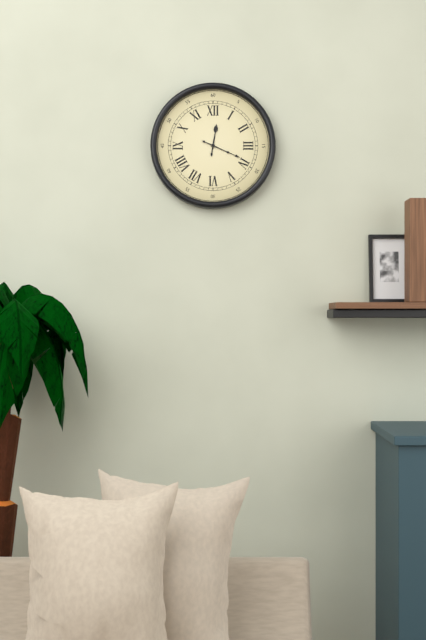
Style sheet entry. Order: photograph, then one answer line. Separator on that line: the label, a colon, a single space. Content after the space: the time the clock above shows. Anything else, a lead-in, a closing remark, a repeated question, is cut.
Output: 12:19
